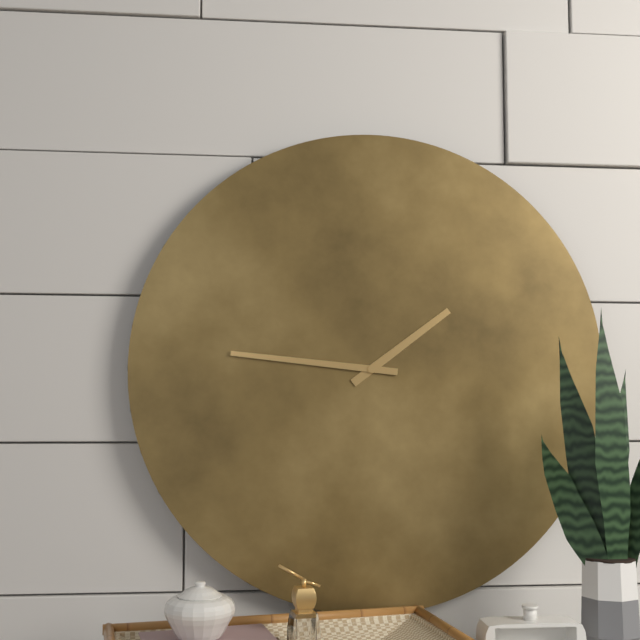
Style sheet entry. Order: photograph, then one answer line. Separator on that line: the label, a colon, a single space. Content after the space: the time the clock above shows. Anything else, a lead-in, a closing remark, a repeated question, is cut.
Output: 1:46
